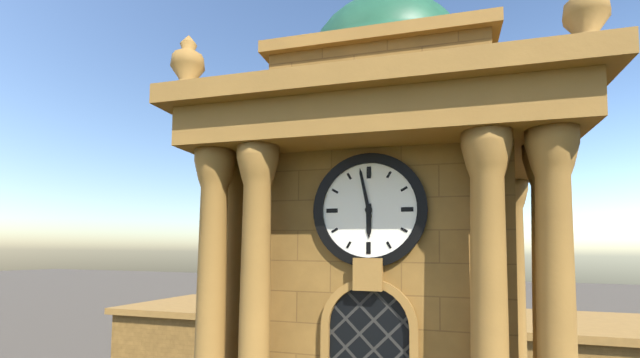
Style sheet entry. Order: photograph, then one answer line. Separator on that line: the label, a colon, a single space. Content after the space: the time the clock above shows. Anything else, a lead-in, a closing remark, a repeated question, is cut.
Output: 5:58
